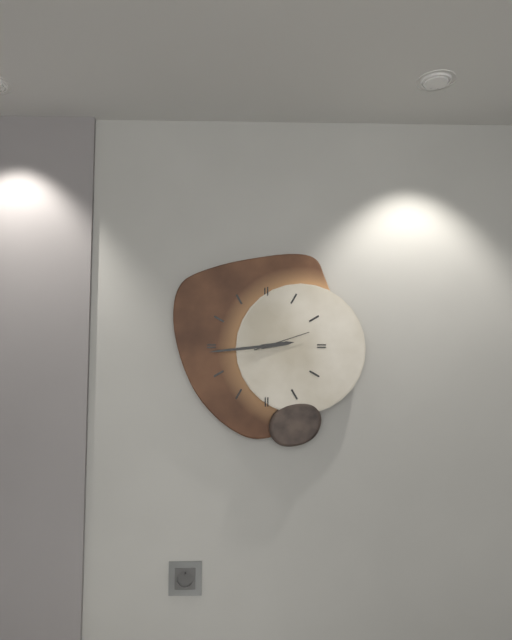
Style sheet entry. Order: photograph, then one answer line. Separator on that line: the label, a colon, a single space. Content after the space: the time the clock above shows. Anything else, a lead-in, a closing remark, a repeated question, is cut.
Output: 2:44:12
